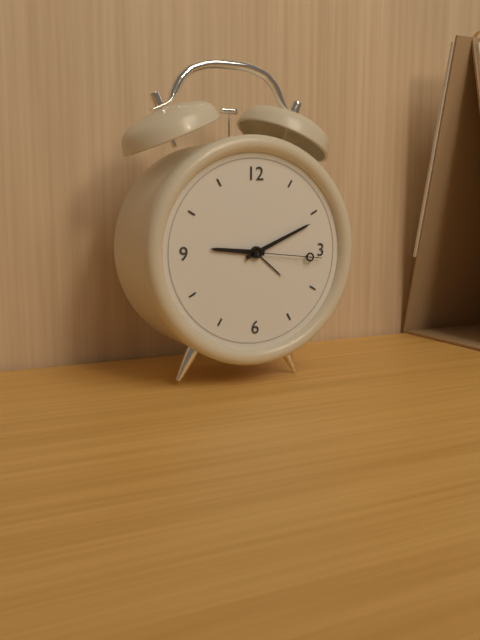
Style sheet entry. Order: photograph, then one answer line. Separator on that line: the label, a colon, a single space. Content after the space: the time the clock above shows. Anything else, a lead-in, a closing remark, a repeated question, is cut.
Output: 9:11:16
